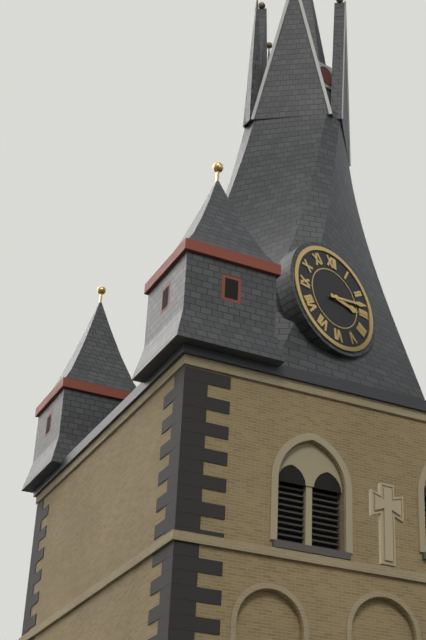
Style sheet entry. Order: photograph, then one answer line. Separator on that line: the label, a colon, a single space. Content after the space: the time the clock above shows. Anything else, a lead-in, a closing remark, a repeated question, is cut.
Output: 3:13
